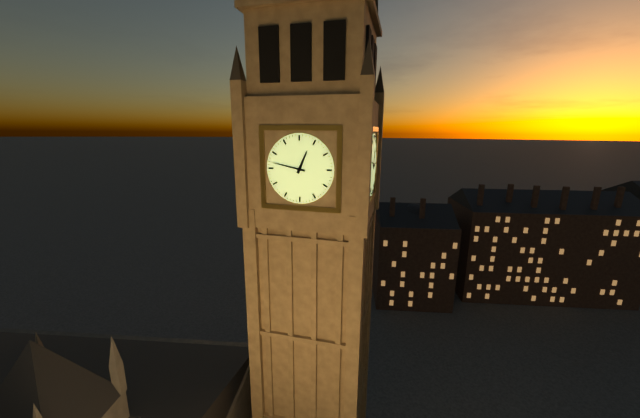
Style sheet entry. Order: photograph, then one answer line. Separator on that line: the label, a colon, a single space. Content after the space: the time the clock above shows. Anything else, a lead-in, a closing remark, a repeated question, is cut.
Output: 12:47
